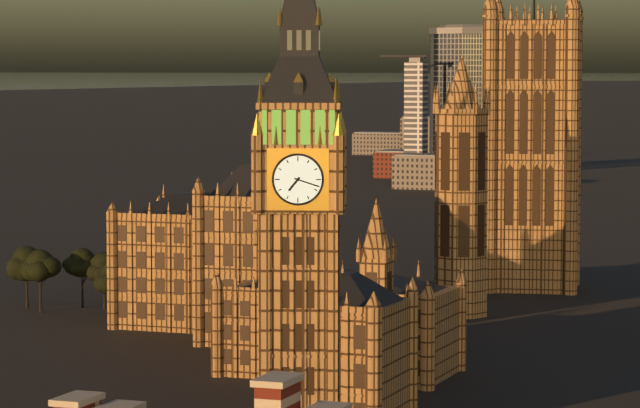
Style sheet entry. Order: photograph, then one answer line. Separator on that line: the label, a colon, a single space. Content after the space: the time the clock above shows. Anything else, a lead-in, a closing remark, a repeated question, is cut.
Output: 7:18
